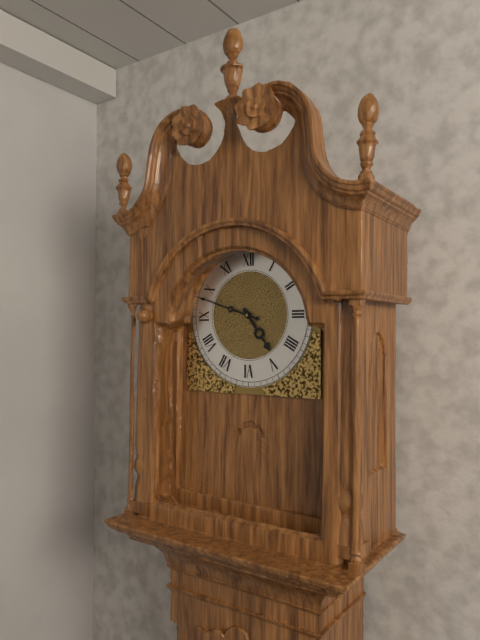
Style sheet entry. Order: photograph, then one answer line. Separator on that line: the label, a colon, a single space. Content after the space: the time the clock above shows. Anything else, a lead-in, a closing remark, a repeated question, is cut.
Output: 4:48
